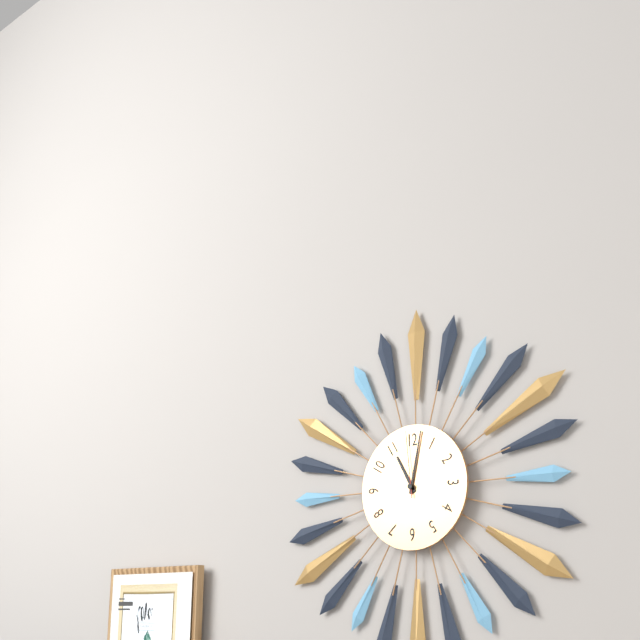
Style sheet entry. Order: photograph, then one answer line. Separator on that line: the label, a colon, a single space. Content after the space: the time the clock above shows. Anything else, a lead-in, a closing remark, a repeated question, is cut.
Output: 11:02:59
